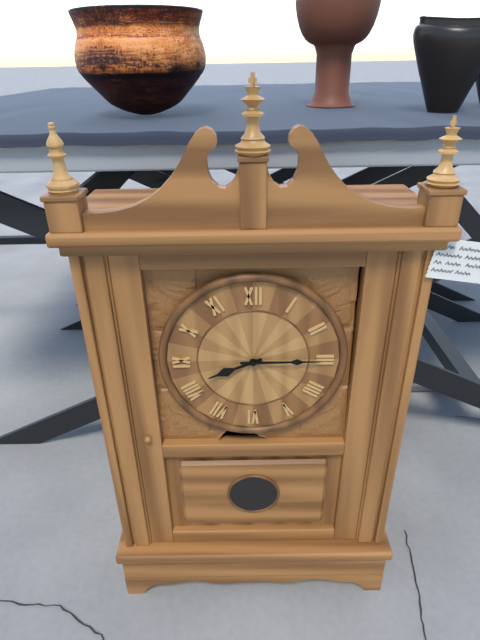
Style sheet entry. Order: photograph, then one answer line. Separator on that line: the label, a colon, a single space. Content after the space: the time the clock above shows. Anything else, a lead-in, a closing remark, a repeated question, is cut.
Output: 8:15
